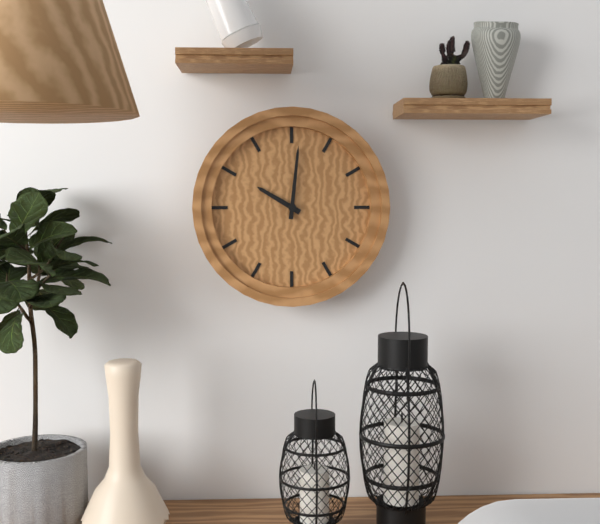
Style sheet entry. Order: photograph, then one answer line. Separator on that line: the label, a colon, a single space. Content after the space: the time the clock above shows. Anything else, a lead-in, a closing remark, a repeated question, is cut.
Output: 10:01
